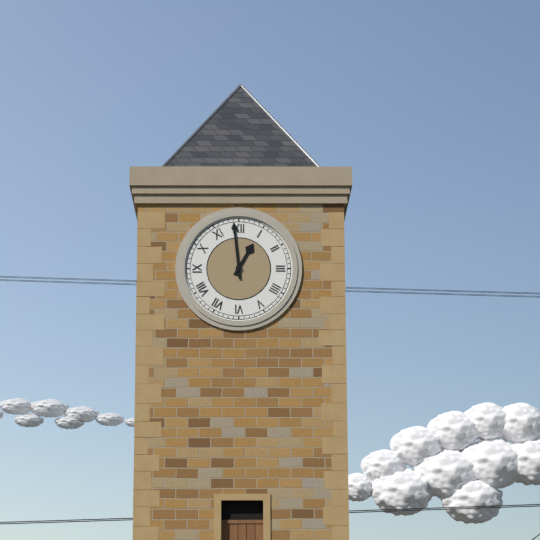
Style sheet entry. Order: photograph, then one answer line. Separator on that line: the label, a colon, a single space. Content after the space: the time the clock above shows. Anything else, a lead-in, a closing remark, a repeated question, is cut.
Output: 12:59
